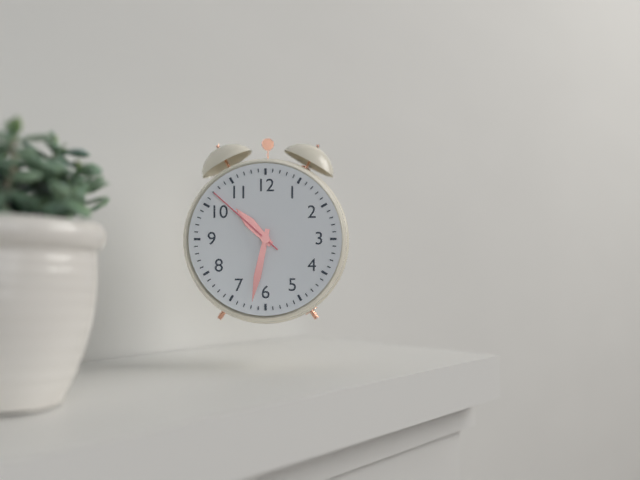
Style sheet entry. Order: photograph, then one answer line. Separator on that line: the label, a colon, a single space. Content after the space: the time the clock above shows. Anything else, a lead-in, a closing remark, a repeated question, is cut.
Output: 10:32:52
